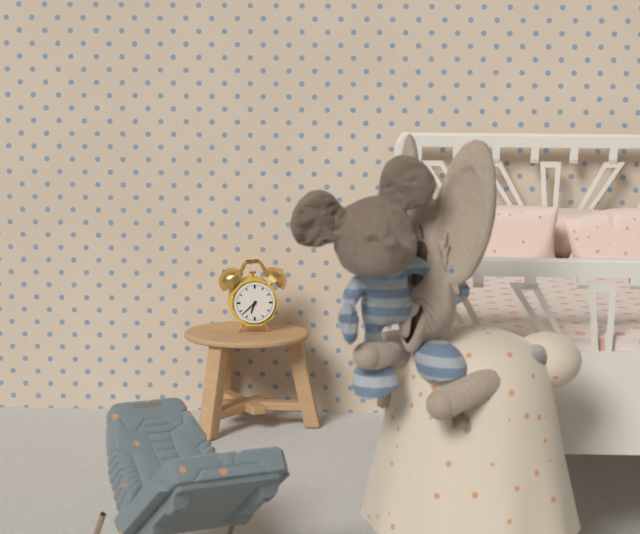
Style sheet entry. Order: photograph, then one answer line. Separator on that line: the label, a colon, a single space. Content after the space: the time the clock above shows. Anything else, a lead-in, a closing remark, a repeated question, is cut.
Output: 6:38
